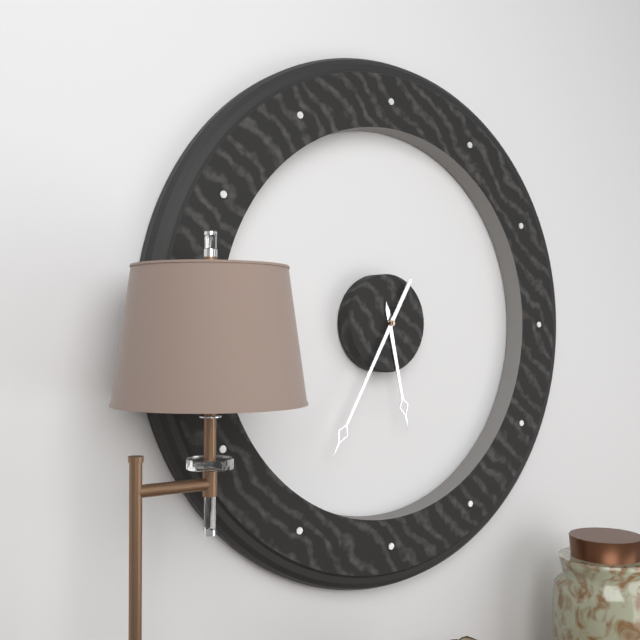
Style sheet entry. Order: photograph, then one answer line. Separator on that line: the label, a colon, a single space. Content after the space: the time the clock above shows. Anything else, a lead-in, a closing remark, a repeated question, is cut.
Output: 5:35
